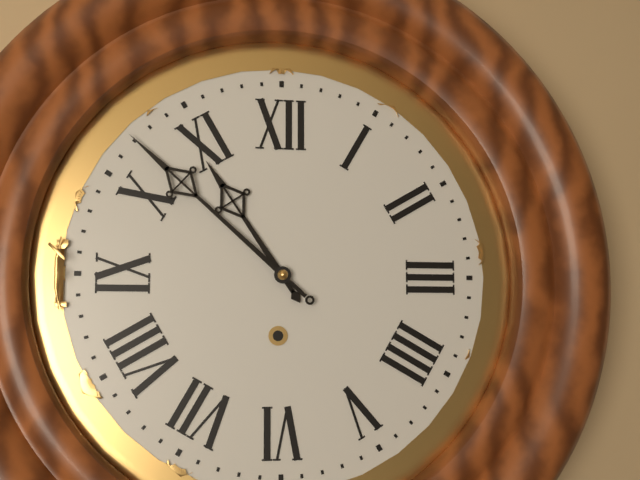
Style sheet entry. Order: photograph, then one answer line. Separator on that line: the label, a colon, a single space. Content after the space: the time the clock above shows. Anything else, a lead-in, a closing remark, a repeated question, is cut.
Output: 10:52
